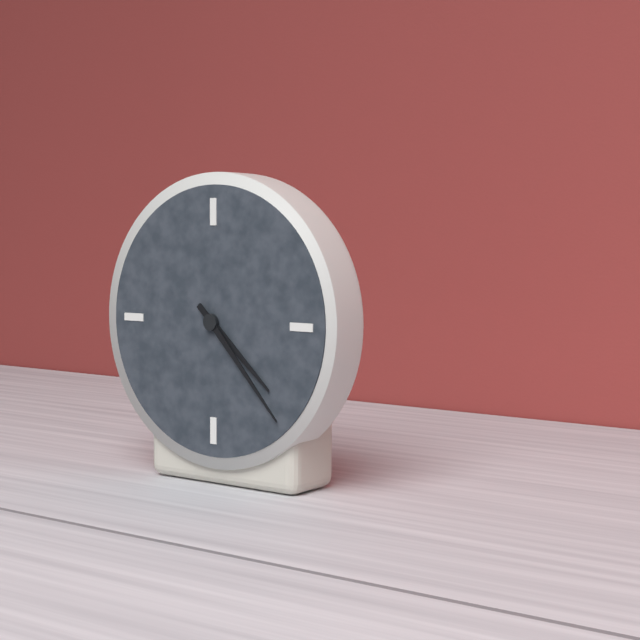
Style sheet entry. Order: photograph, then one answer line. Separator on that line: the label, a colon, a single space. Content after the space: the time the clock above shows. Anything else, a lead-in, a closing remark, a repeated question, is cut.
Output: 4:23
